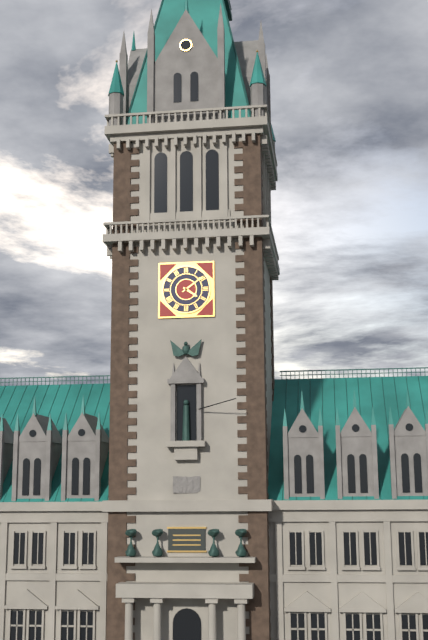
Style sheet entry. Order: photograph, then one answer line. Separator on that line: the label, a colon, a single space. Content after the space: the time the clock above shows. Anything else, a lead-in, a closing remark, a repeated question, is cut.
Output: 4:09
